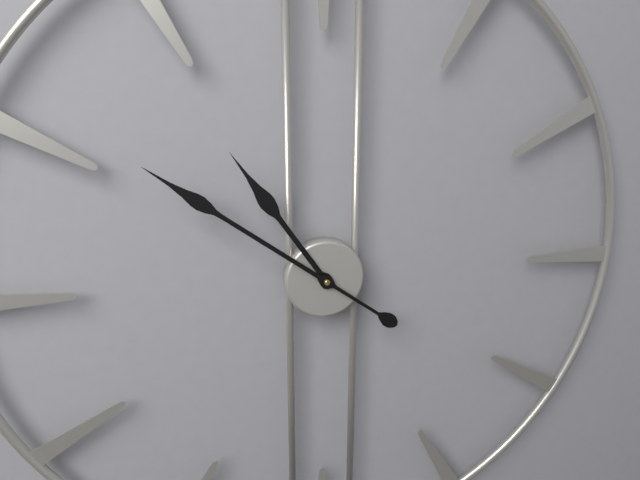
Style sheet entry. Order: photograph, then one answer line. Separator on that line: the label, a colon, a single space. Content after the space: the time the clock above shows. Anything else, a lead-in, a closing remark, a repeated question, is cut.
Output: 10:51
